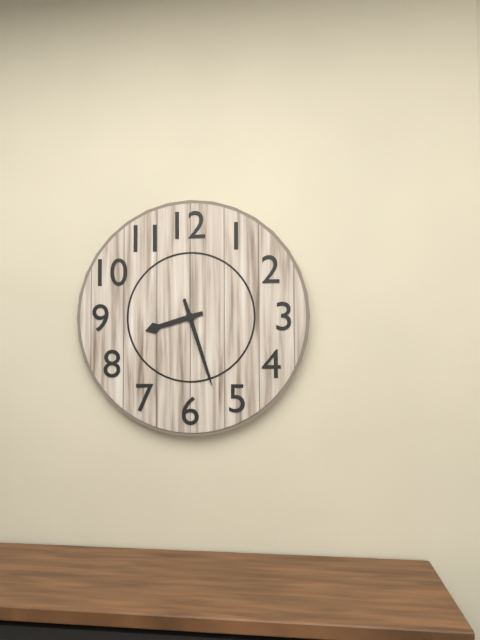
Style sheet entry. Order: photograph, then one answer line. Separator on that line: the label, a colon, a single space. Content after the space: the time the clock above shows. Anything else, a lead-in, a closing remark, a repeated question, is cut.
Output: 8:27
